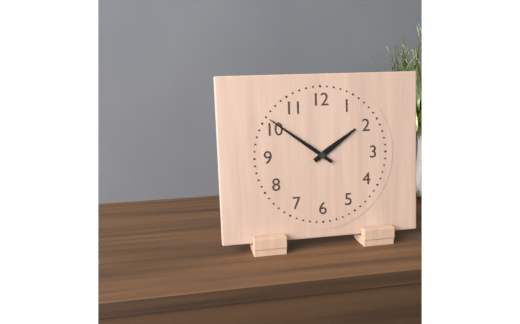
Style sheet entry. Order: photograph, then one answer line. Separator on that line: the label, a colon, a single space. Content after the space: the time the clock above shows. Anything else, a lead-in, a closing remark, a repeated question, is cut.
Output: 1:51
